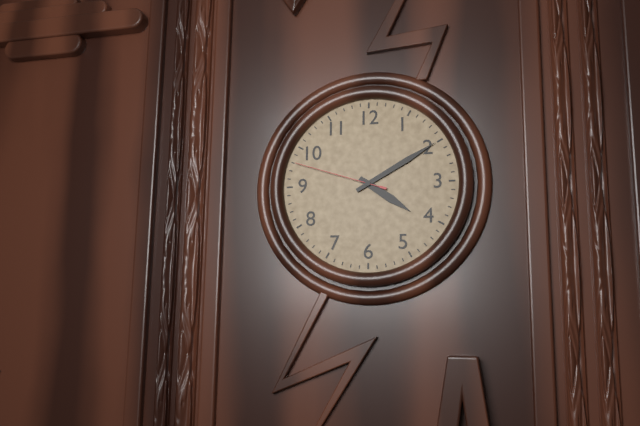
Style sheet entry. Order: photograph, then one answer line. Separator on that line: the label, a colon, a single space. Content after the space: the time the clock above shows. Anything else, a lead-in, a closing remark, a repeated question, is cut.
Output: 4:10:48
